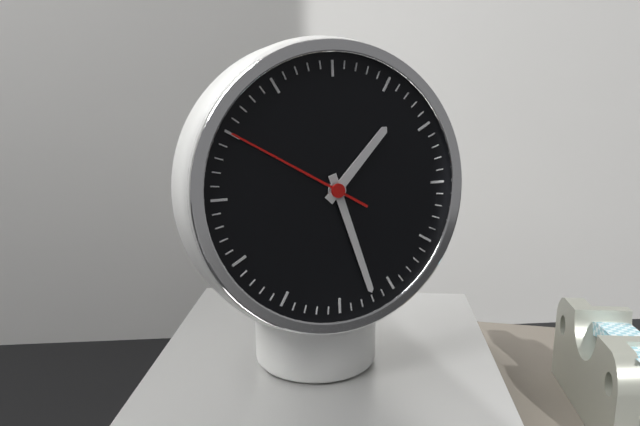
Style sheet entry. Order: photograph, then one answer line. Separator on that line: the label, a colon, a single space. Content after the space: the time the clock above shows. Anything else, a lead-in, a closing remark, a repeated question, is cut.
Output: 1:27:50
